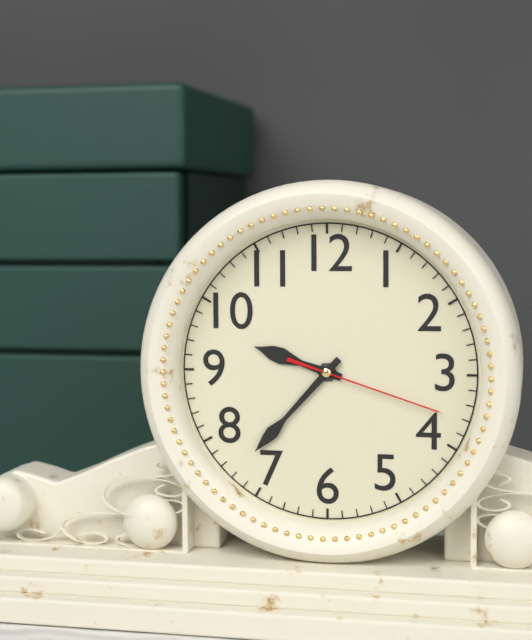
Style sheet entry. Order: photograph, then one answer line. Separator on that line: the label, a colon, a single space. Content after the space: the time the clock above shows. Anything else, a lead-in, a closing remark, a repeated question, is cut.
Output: 9:37:18
